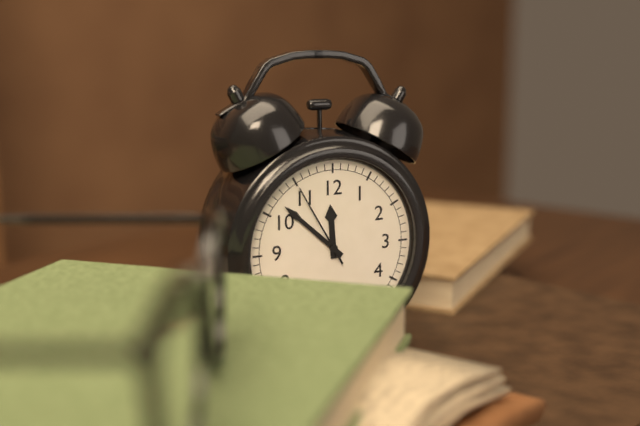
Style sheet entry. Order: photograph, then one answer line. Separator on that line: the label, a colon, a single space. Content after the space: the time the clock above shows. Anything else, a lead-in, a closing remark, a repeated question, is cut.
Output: 11:52:55
